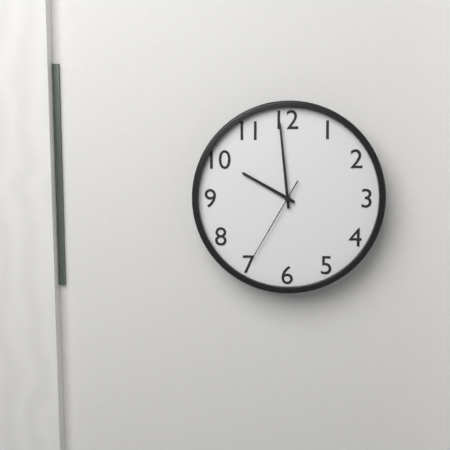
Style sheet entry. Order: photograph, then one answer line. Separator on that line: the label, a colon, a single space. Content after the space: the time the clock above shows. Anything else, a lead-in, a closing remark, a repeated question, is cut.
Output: 9:59:35
